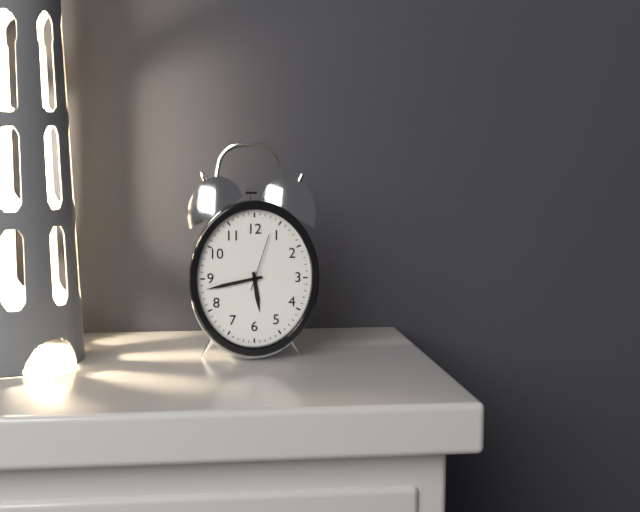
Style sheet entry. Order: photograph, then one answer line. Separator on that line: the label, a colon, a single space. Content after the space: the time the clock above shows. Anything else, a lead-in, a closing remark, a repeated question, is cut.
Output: 5:43:03
